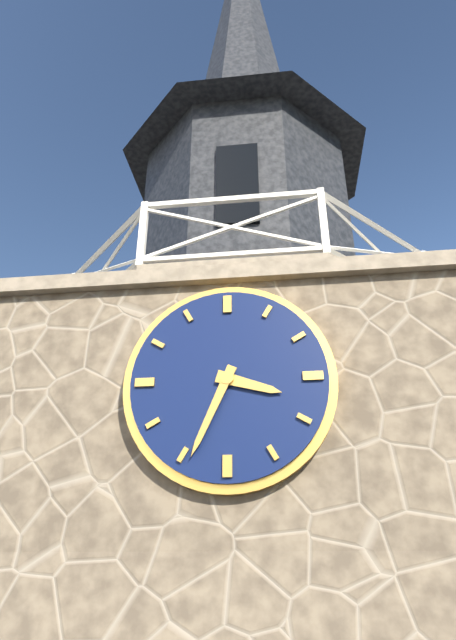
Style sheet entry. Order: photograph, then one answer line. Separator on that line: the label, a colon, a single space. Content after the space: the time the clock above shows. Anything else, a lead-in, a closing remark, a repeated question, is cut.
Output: 3:34
